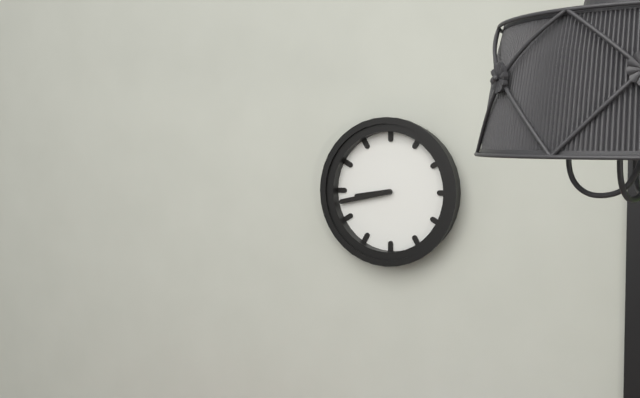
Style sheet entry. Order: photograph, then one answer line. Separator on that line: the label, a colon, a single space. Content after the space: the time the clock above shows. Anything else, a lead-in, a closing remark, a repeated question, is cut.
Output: 8:43
